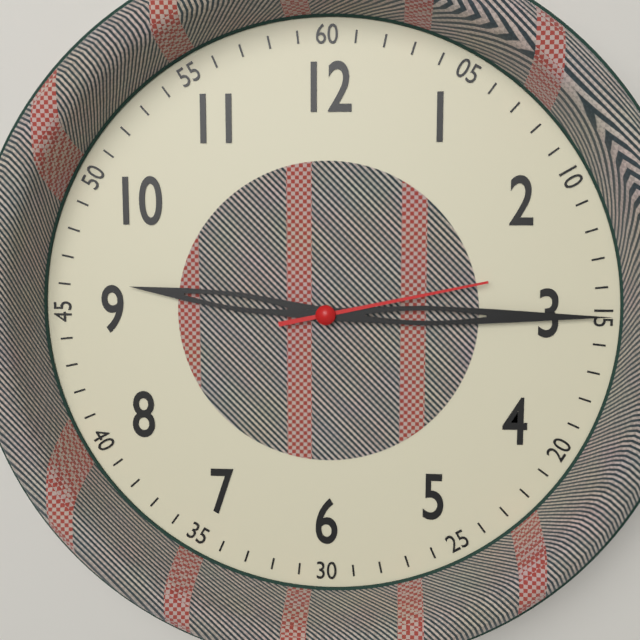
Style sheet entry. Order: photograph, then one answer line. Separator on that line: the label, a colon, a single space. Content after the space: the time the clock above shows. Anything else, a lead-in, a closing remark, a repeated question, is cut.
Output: 9:15:13
